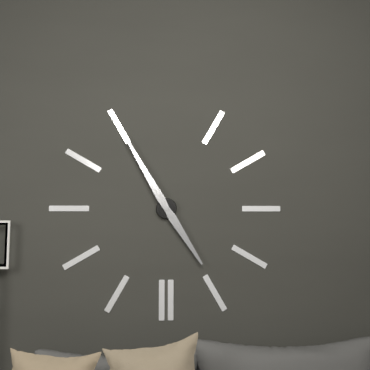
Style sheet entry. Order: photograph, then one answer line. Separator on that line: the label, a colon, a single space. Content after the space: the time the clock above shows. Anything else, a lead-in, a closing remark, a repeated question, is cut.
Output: 4:55
